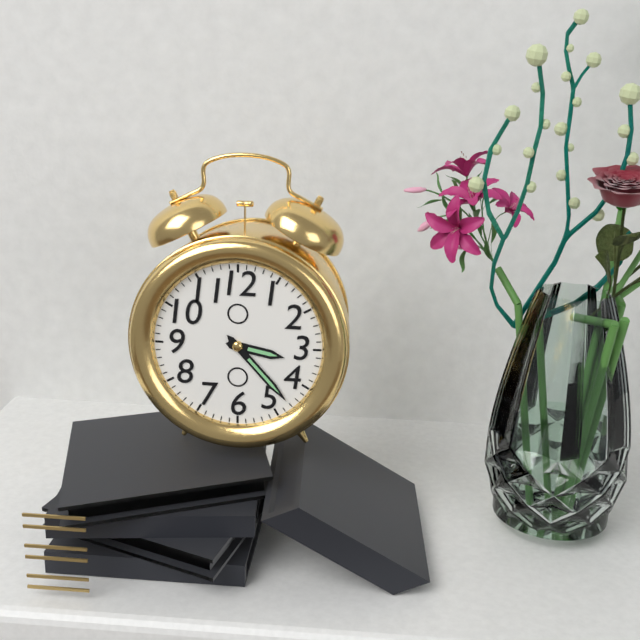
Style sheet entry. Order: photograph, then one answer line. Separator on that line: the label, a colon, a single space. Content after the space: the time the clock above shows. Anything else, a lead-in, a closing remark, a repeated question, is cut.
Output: 3:23
